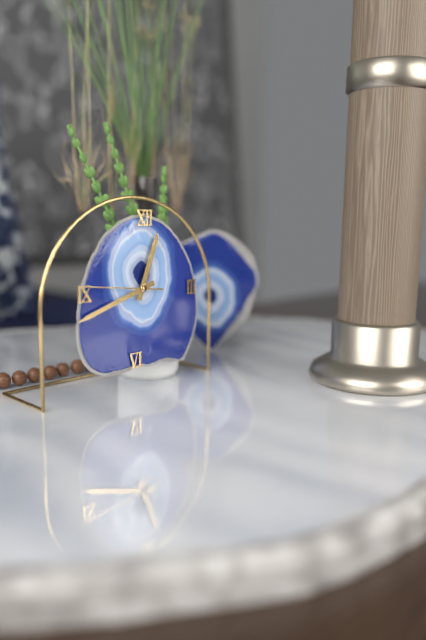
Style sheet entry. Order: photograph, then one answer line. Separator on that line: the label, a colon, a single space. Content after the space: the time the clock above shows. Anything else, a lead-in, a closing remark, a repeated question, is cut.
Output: 12:42:46
